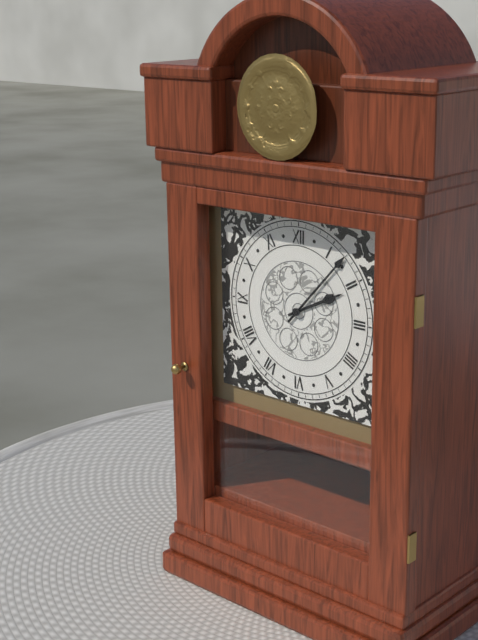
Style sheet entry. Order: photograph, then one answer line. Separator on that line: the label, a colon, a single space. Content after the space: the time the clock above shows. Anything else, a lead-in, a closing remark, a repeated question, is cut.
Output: 2:07
